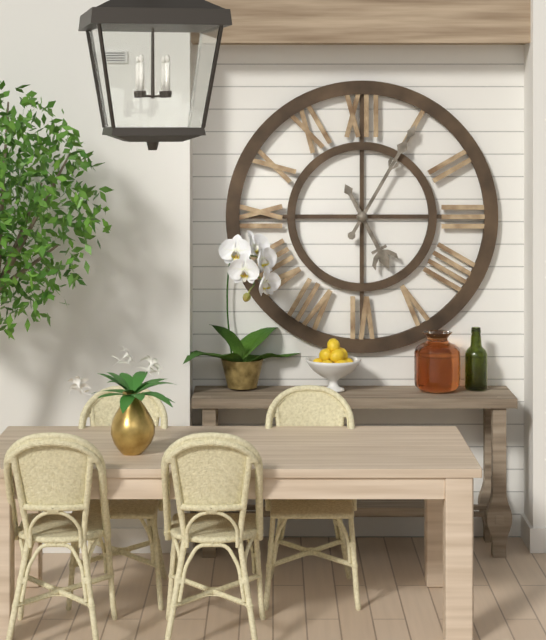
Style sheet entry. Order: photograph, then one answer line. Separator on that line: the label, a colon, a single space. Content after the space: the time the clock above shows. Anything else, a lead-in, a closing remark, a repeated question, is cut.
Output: 5:05
